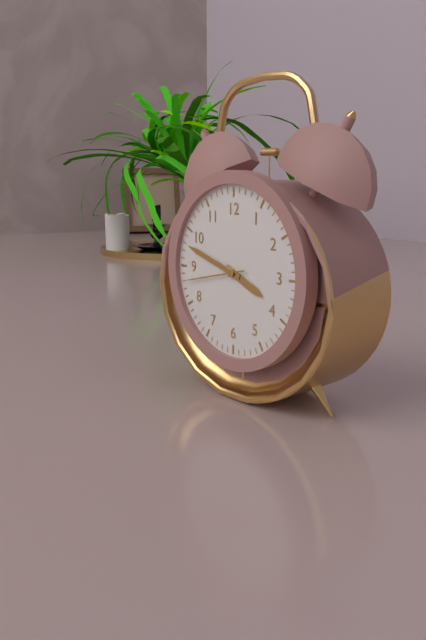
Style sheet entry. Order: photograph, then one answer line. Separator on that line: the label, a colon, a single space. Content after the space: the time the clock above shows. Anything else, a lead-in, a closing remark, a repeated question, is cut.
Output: 3:48:43
